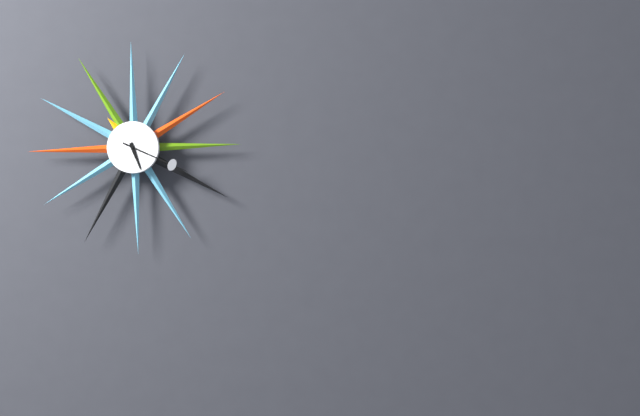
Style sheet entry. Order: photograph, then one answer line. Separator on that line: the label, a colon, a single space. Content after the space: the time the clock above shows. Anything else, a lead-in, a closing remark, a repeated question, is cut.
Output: 5:19
